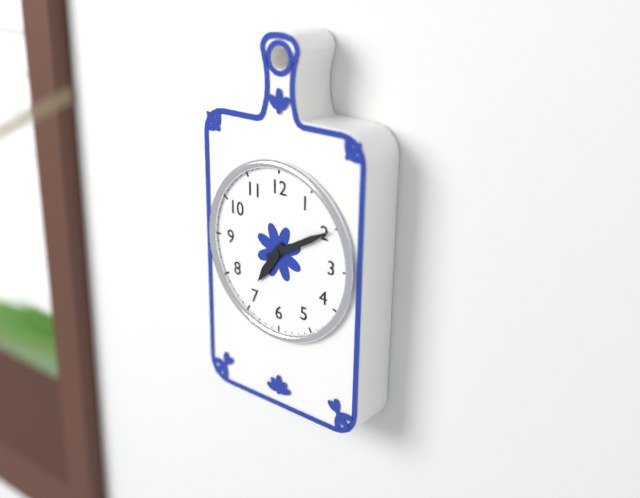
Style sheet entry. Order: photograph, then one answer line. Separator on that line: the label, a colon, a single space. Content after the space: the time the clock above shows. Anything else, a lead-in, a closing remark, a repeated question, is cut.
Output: 7:10
